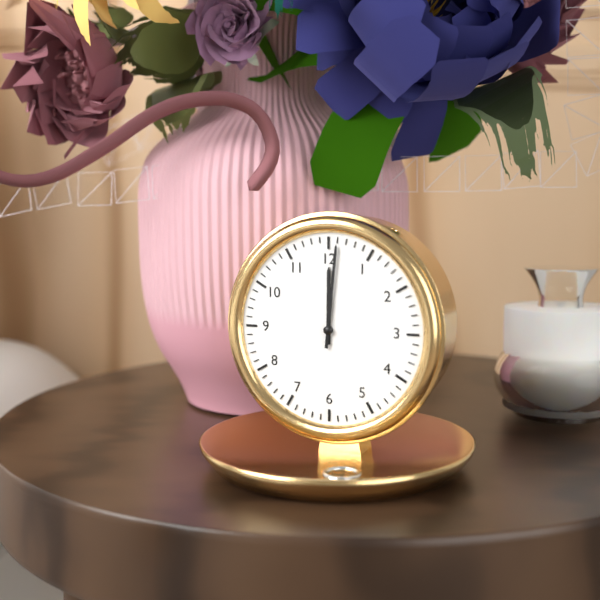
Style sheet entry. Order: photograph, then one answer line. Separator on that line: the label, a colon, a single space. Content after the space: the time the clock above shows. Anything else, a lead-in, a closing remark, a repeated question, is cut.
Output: 12:01
